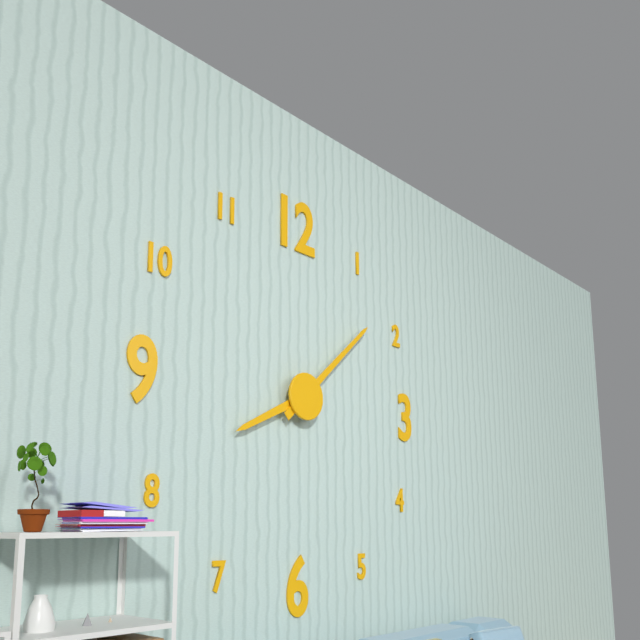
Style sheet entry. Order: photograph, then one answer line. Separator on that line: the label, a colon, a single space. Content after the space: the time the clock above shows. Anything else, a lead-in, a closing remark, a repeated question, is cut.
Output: 8:08
